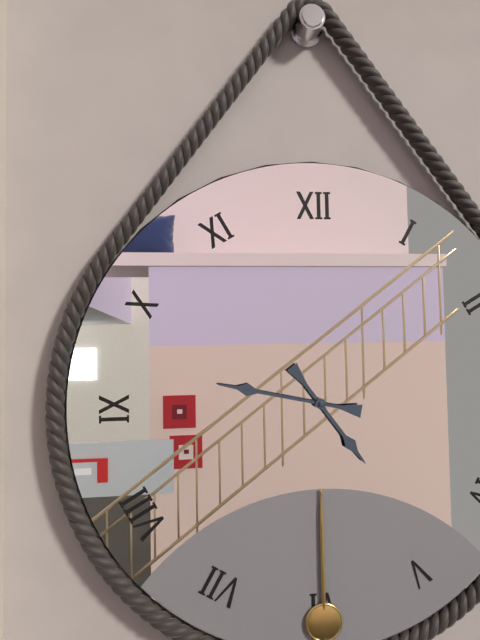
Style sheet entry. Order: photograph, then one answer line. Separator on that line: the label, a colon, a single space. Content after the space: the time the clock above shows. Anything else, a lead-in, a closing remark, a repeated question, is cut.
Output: 4:47
